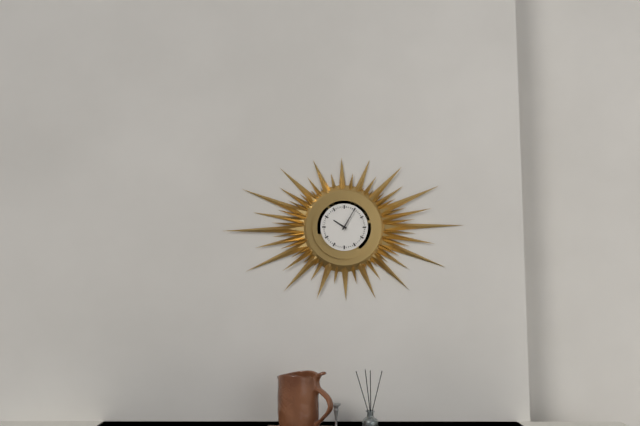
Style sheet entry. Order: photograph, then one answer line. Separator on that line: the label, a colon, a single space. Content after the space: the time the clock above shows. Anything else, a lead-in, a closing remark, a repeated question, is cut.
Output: 10:05
